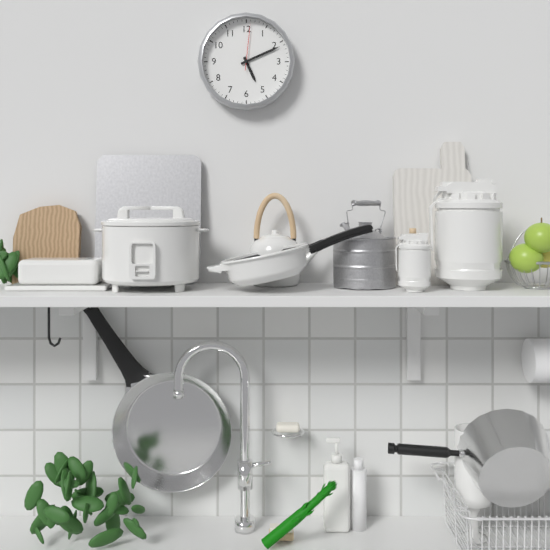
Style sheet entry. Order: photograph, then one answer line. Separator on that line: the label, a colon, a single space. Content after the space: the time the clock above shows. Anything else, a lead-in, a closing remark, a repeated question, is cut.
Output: 5:11
